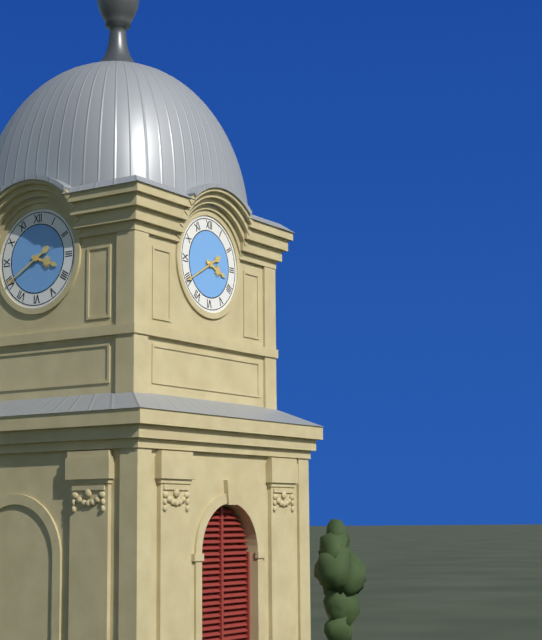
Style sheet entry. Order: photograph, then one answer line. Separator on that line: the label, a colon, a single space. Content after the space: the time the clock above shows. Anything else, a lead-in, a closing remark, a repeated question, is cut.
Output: 3:40
